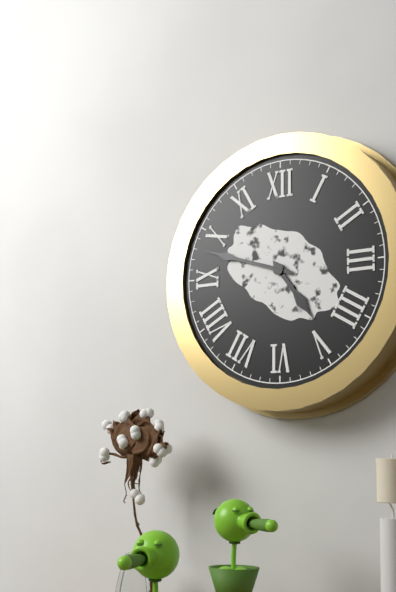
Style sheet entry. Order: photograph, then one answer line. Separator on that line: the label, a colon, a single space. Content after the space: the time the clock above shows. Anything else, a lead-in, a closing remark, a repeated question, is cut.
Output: 4:48
